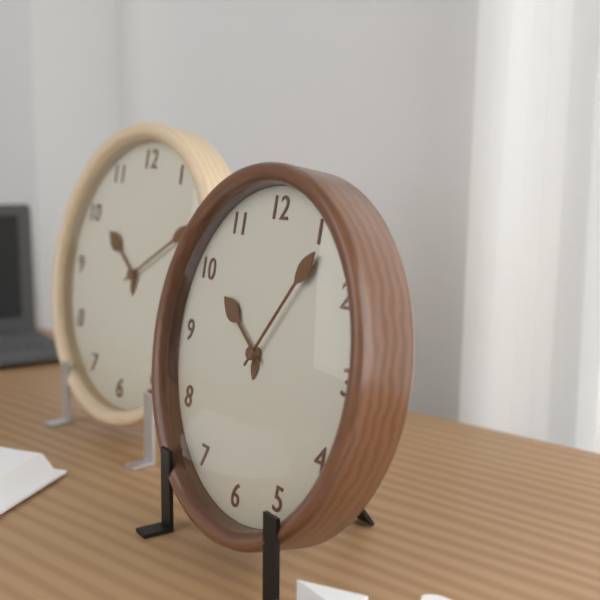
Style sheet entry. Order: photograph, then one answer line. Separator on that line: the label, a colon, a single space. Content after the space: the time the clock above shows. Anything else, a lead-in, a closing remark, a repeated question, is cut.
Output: 10:06
